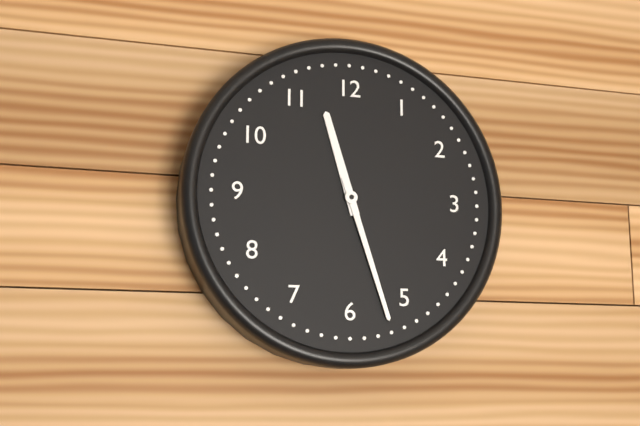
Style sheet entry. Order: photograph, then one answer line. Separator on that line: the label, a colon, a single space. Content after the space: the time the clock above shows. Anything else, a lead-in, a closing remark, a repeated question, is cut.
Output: 11:27
